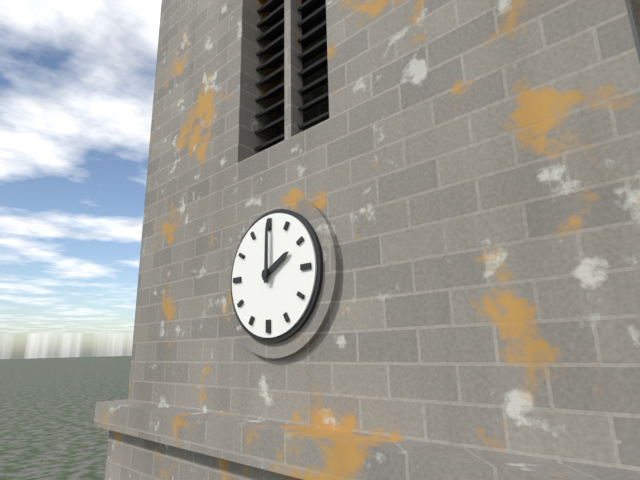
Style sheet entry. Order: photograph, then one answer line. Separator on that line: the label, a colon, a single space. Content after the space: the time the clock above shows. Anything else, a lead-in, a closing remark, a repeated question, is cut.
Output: 2:00
